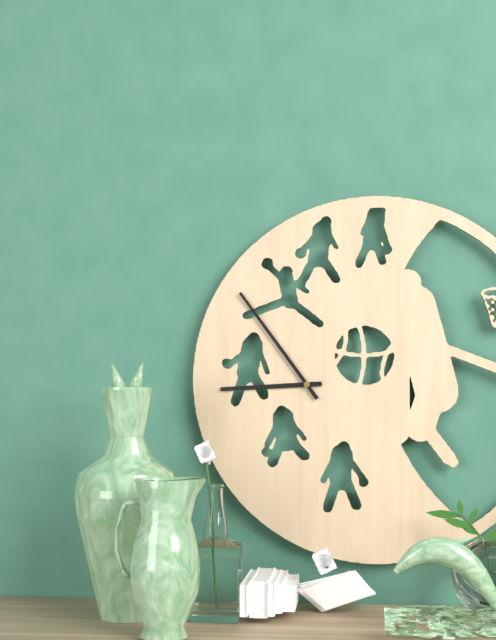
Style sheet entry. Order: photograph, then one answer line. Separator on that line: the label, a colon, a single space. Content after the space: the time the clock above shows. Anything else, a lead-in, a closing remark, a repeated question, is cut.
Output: 8:54
